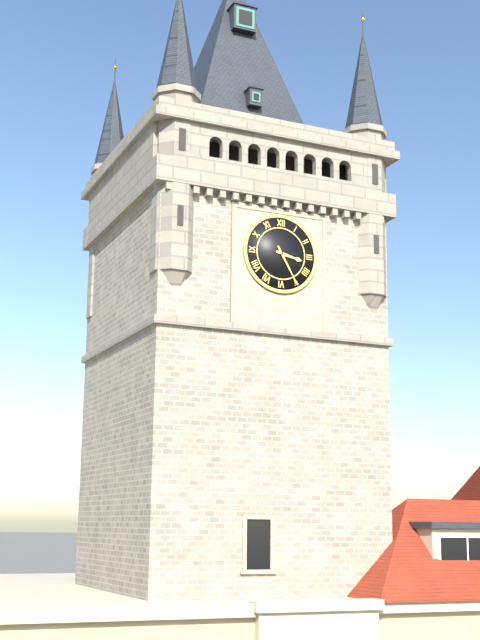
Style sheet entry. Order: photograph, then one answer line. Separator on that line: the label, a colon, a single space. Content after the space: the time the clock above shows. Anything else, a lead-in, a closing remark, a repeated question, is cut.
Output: 3:25
